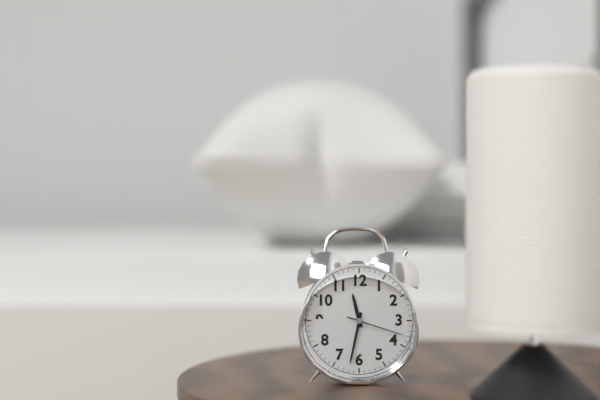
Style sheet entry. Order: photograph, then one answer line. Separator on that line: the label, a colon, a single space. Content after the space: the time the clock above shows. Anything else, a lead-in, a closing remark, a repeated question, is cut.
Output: 11:32:18
